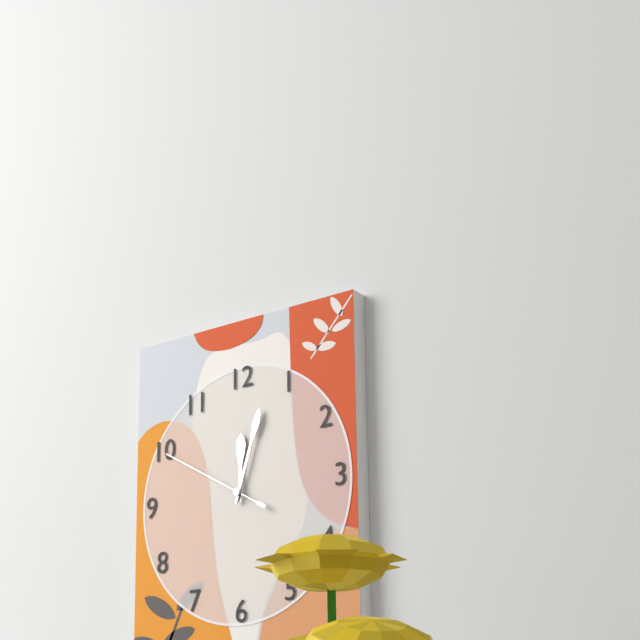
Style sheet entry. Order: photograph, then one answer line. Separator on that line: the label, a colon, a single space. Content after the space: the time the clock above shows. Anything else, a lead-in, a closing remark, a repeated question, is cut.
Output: 12:03:50
